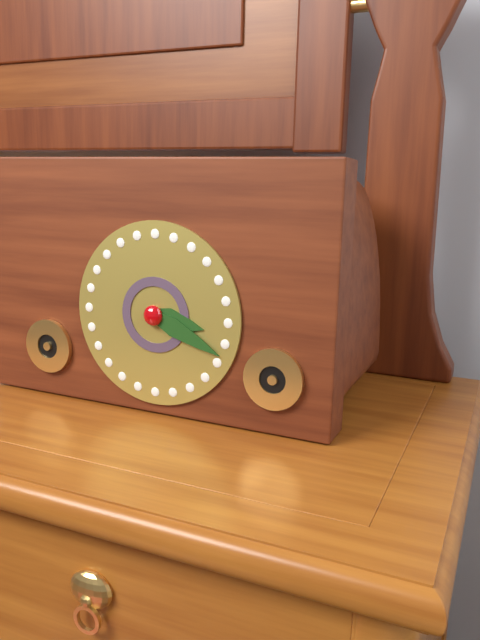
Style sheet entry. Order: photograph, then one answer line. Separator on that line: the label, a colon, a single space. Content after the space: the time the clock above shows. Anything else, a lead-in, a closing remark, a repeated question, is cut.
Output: 3:19
